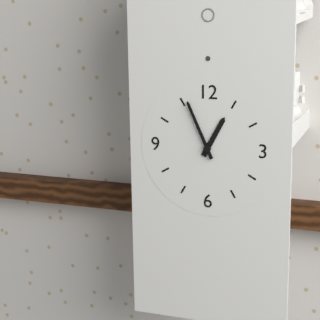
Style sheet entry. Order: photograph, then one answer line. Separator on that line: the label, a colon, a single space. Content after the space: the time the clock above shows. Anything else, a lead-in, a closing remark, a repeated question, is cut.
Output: 12:56
